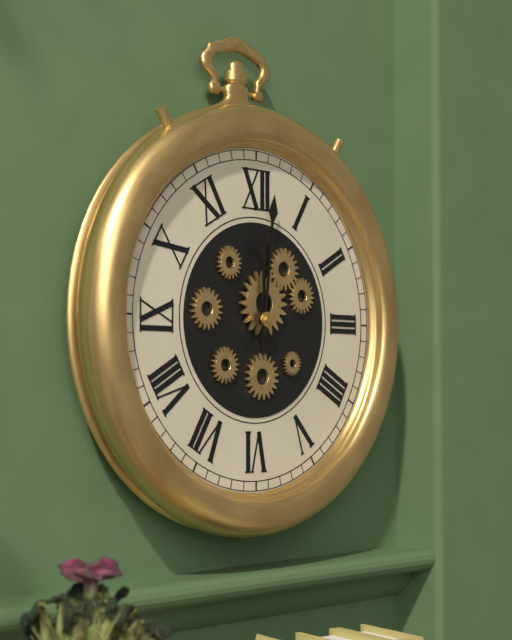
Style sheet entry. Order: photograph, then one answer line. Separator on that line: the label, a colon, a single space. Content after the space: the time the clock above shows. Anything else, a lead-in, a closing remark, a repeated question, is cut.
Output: 12:01
